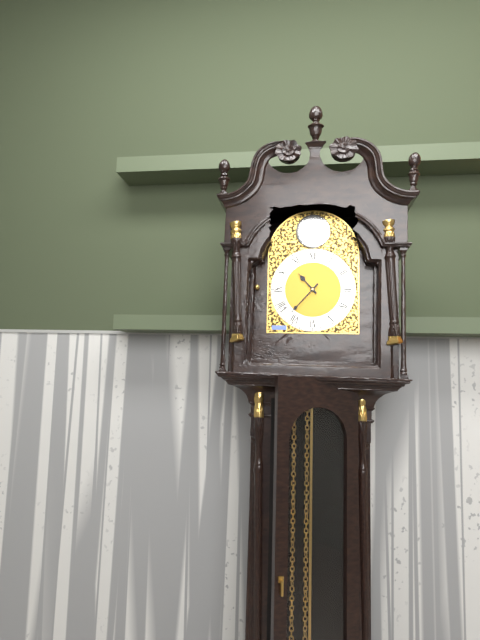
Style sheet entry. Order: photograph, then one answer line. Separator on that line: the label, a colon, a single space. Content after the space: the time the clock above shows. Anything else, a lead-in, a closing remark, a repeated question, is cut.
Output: 10:37
